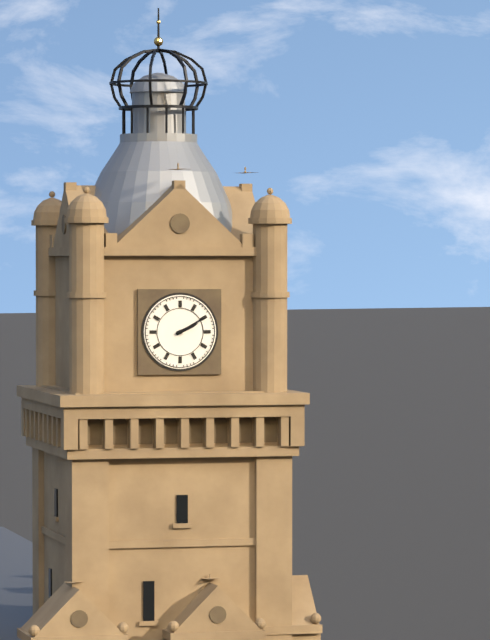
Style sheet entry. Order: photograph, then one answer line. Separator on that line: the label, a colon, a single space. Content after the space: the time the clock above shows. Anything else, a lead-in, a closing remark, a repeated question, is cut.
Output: 2:10
